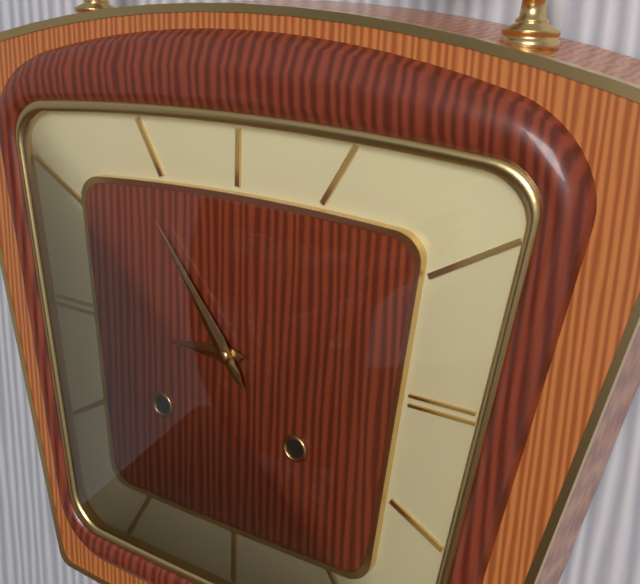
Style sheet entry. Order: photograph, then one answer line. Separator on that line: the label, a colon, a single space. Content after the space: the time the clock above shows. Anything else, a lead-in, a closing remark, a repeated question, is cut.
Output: 8:54
